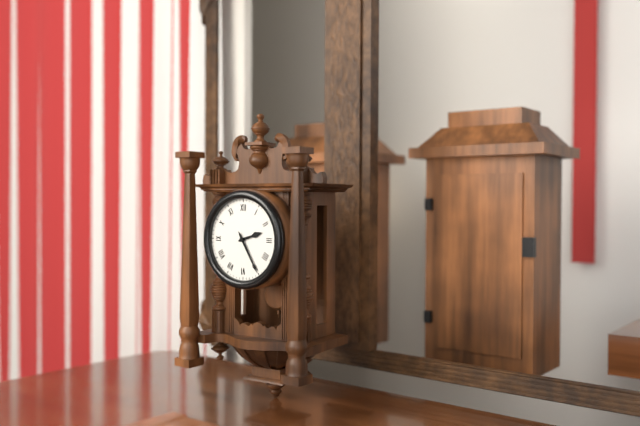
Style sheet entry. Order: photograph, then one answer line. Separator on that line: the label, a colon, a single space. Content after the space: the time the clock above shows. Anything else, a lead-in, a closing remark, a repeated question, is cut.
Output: 2:25
